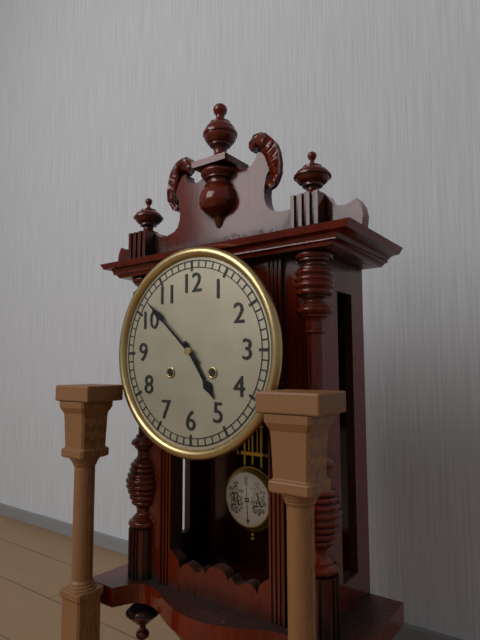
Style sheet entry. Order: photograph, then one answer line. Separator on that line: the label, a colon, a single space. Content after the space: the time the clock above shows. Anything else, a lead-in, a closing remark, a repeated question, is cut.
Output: 4:52
